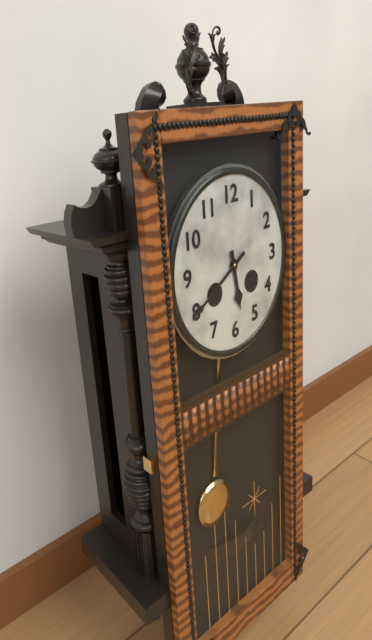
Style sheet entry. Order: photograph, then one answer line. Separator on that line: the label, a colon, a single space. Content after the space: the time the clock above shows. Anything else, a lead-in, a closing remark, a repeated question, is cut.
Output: 5:40
